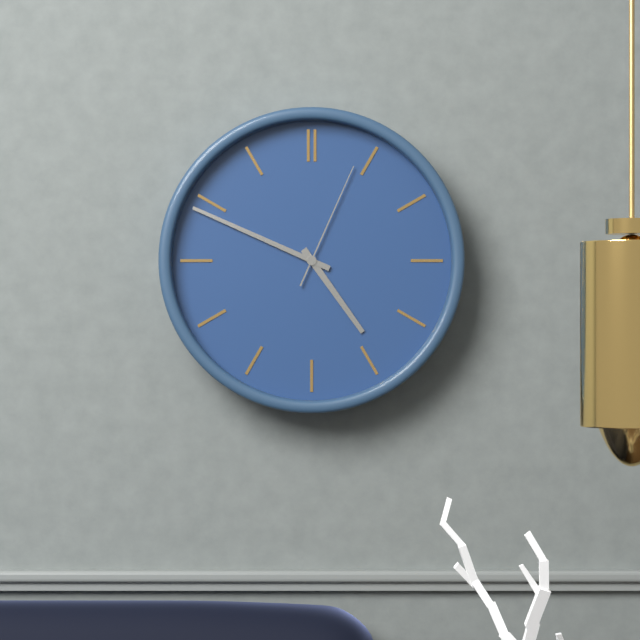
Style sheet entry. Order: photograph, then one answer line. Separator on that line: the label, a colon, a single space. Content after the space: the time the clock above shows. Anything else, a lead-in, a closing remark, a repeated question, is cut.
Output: 4:49:04
